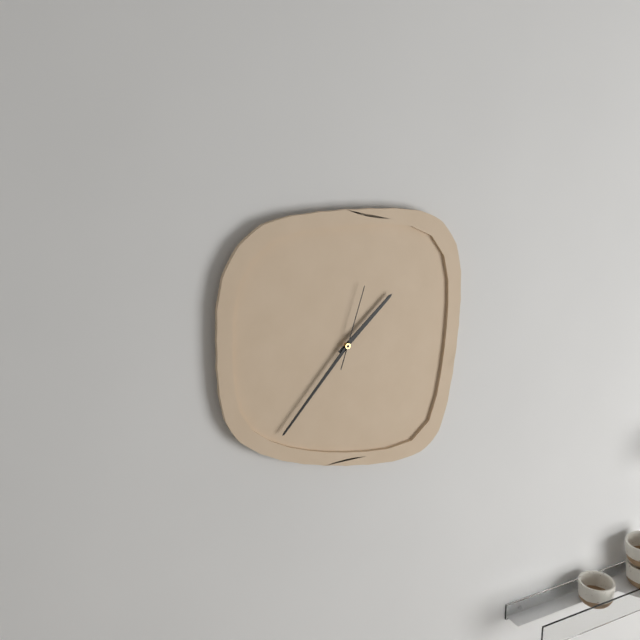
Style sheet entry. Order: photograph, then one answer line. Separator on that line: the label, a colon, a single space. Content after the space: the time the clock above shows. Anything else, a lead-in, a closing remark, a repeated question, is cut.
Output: 1:37:03
